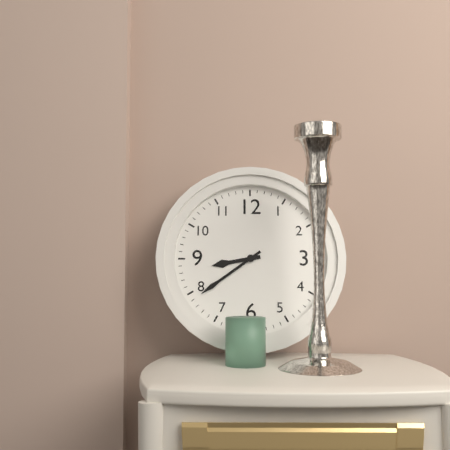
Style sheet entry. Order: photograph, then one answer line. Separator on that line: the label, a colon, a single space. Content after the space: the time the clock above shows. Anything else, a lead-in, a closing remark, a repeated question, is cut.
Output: 8:39
